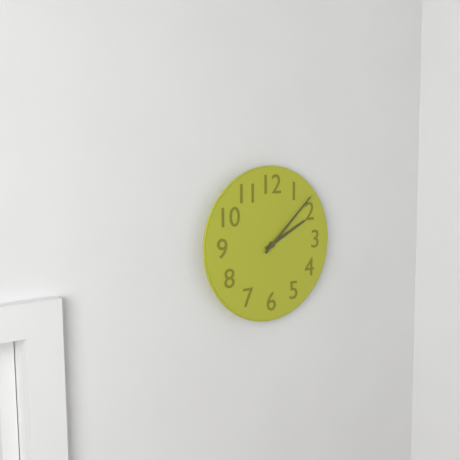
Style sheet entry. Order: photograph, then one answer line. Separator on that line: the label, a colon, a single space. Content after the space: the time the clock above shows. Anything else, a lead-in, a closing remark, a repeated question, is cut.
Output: 2:08
